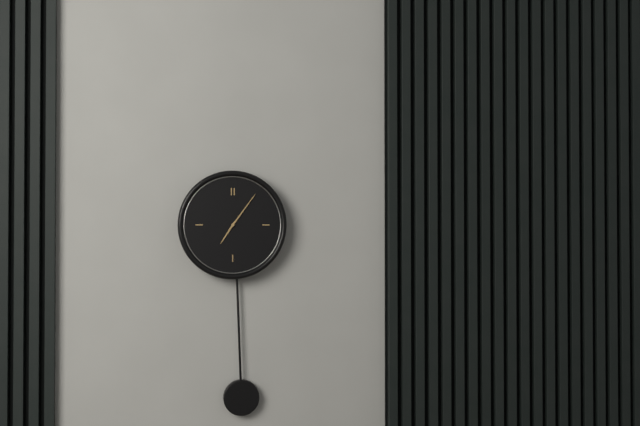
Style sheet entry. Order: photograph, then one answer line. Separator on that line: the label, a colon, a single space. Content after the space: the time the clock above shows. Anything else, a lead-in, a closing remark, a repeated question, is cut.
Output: 7:06
